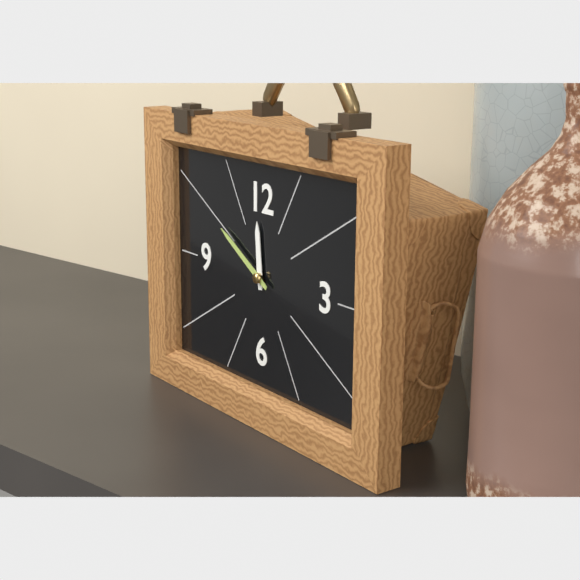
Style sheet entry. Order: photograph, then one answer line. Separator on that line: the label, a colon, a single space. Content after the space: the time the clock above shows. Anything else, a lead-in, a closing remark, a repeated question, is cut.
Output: 11:50
